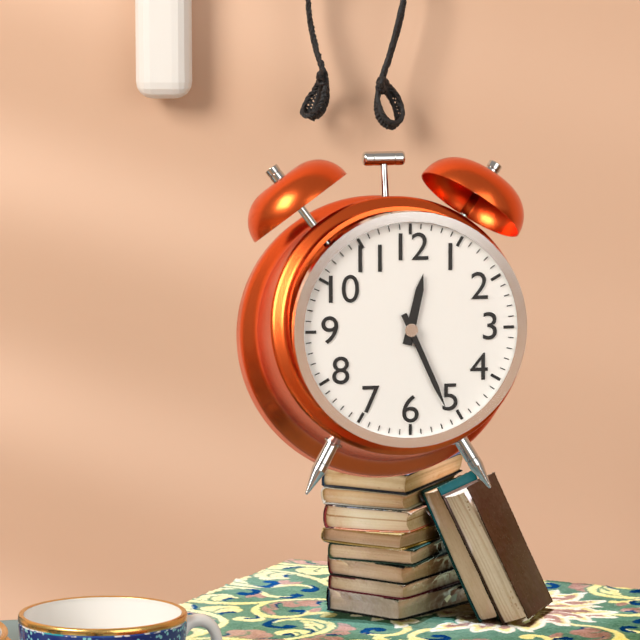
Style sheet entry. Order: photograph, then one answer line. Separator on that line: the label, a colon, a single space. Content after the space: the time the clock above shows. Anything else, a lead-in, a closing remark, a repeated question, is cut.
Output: 12:26
